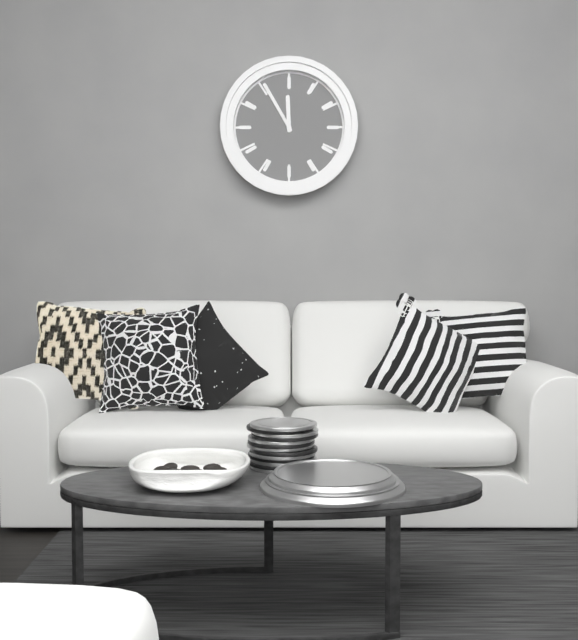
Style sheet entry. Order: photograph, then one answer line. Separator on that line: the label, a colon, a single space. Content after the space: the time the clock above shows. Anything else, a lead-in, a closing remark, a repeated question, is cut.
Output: 11:55
